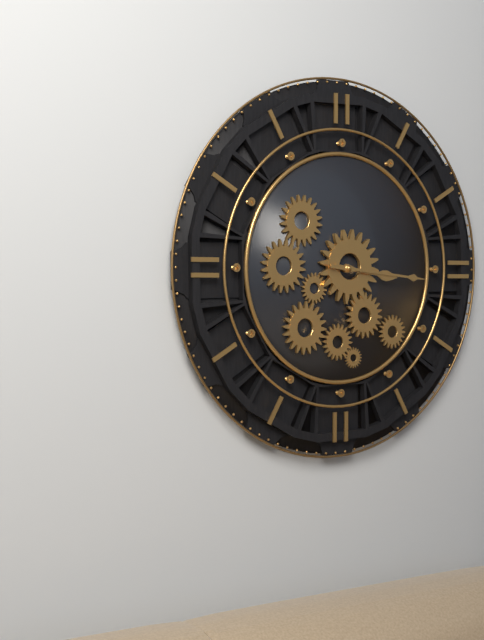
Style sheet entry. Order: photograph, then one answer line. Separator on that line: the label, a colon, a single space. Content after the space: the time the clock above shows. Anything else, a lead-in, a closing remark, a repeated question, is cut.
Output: 3:16
